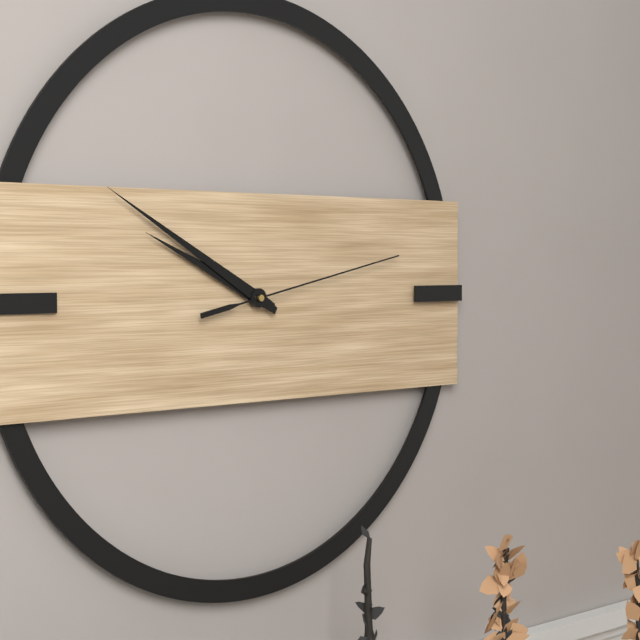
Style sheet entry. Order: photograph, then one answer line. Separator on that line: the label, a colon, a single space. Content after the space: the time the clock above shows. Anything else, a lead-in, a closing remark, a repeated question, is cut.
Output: 9:50:13
